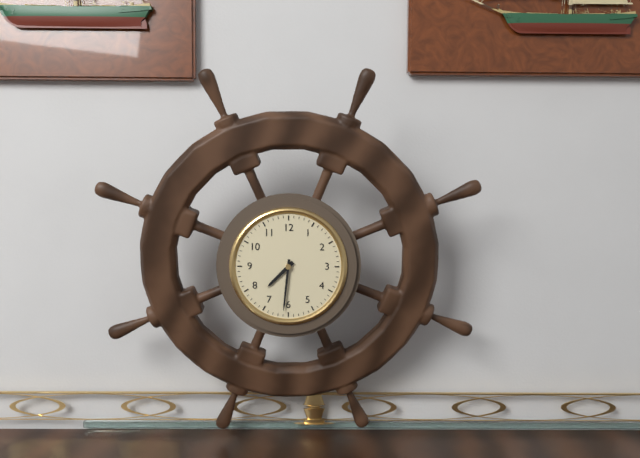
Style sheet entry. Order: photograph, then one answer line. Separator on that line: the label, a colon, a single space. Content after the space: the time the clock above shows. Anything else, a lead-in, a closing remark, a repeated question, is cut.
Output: 7:31
